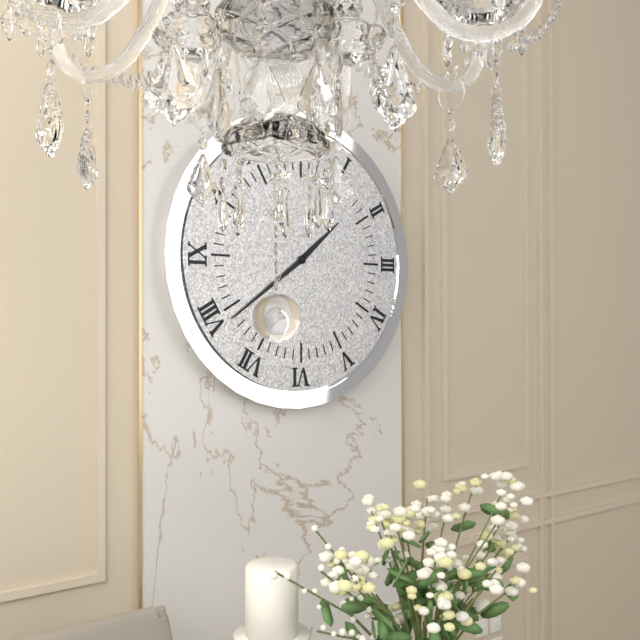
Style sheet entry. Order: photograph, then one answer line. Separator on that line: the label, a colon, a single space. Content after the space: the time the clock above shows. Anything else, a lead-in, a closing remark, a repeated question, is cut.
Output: 1:39
